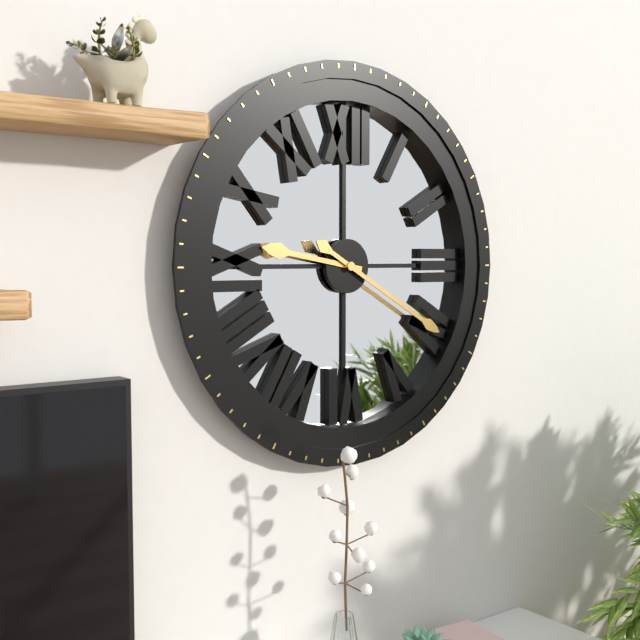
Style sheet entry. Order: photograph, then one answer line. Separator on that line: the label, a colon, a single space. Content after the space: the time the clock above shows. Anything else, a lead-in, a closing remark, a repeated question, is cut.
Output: 9:20
